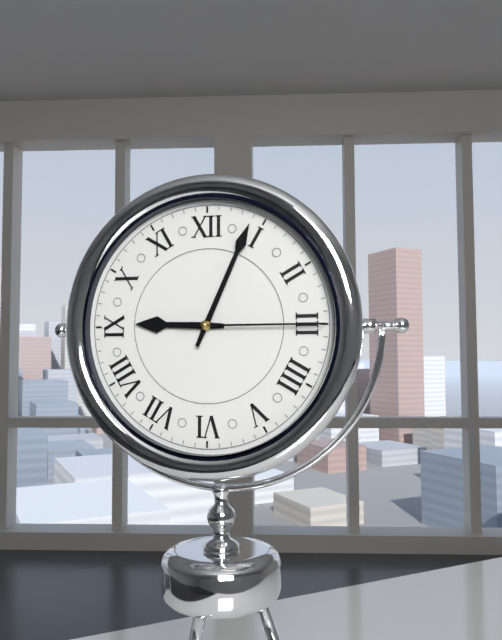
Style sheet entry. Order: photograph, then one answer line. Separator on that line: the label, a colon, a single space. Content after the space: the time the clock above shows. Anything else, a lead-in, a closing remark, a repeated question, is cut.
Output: 9:04:15
